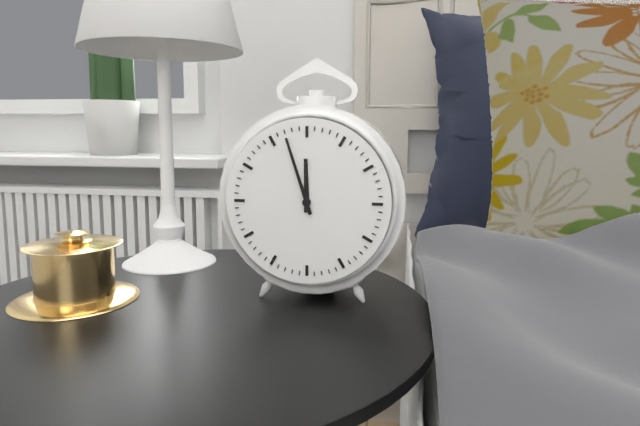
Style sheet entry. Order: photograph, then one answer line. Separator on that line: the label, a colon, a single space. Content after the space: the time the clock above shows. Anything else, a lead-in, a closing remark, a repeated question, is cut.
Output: 11:57
